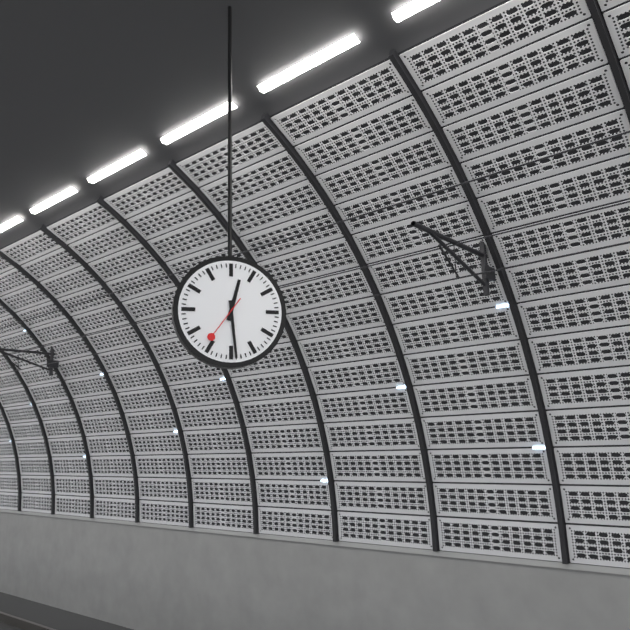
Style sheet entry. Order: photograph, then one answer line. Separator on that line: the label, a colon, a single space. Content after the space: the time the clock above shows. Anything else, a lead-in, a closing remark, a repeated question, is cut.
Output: 12:29
